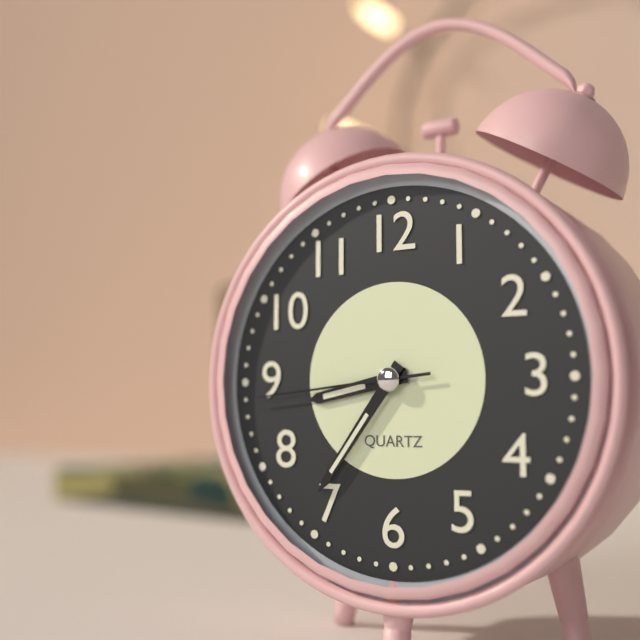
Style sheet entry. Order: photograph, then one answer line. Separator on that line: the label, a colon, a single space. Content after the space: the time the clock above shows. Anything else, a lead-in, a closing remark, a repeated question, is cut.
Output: 8:36:44
